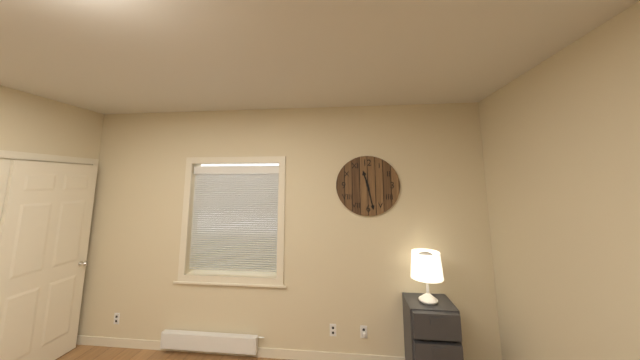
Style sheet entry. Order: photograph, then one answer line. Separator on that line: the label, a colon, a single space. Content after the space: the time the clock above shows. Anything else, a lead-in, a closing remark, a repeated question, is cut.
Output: 11:28
